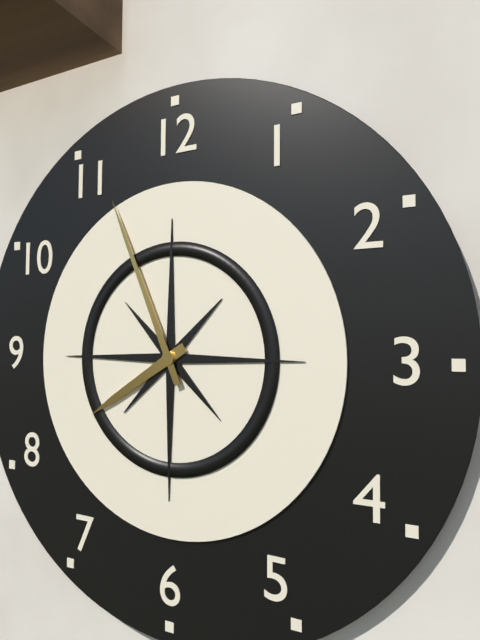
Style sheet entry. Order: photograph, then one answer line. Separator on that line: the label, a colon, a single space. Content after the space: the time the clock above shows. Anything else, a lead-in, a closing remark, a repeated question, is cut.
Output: 7:56
